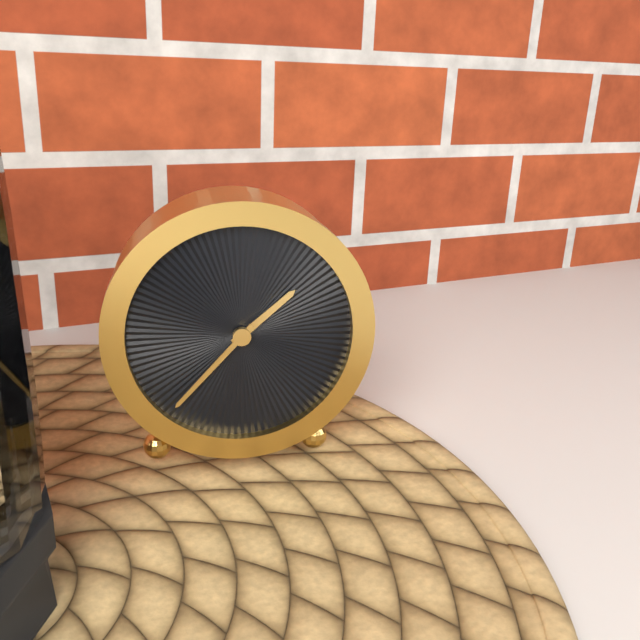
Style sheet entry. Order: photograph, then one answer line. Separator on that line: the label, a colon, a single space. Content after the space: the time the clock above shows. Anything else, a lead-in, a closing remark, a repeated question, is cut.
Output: 1:37
